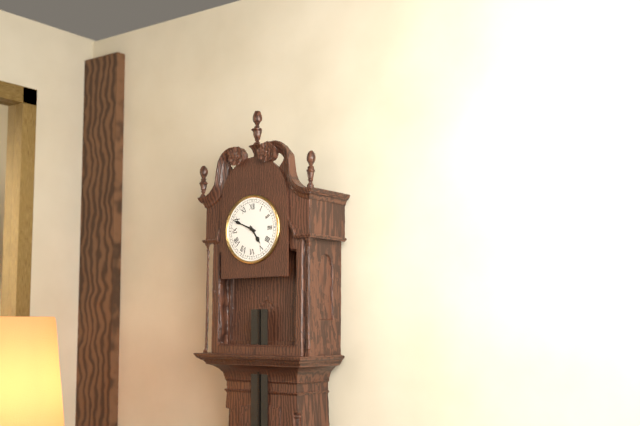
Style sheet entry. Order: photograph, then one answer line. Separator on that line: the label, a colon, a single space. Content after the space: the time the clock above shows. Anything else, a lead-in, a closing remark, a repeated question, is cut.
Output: 4:49
